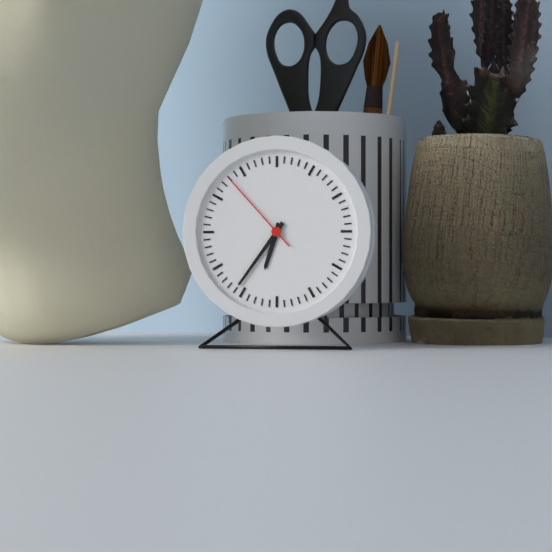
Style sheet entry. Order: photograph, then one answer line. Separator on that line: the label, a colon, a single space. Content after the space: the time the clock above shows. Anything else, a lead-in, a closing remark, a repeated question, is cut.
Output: 6:36:53
